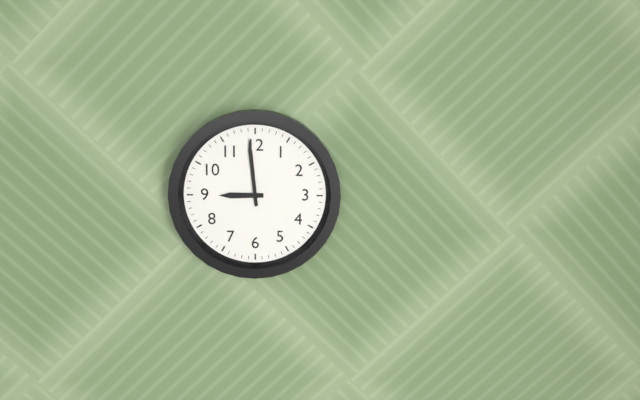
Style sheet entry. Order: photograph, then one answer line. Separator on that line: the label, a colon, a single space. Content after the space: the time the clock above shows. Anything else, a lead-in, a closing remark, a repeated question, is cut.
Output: 8:59
